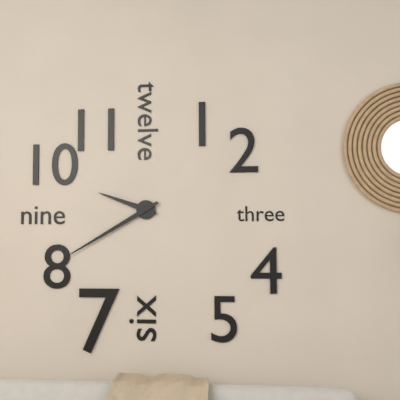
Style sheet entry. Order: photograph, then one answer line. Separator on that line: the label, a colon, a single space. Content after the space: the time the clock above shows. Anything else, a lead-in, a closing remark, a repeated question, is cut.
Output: 9:40
